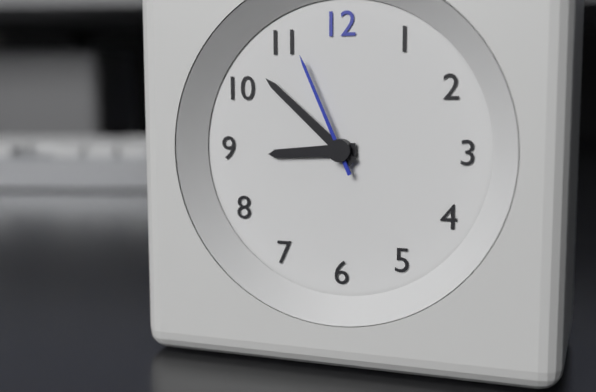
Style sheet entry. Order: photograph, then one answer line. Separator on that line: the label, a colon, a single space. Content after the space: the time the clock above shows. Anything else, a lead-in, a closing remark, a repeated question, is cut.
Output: 8:52:56
